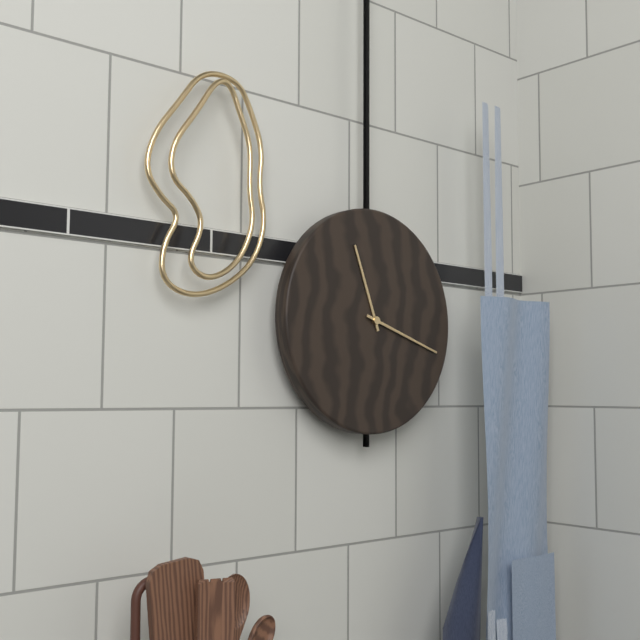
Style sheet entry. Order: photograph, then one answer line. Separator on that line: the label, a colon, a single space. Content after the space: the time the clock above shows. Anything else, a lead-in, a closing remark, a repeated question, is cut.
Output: 11:18
